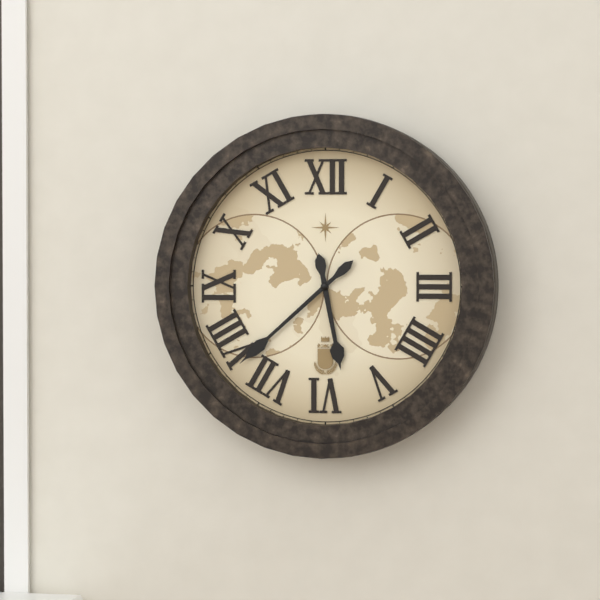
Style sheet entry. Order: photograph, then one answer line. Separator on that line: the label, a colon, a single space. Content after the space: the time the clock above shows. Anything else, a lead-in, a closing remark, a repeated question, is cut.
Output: 5:38
